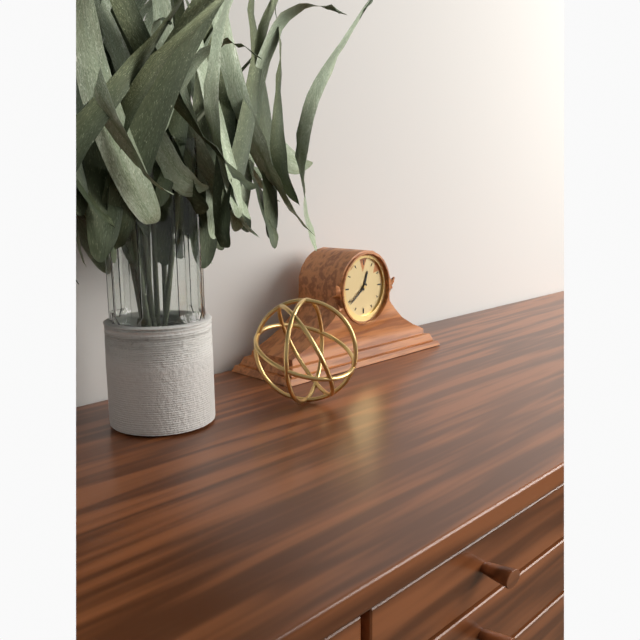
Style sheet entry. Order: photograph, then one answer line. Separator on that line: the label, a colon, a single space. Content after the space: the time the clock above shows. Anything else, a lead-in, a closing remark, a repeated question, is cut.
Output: 12:39
